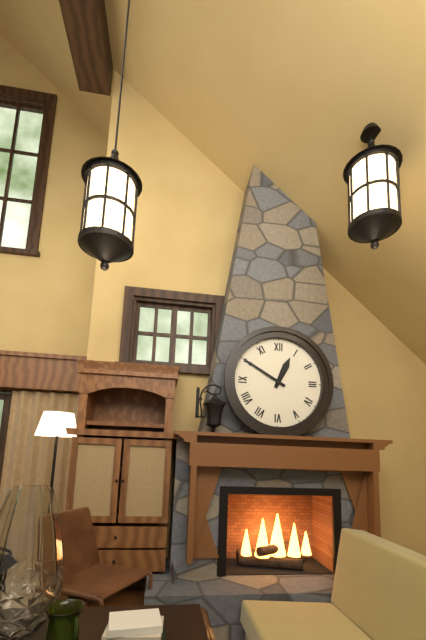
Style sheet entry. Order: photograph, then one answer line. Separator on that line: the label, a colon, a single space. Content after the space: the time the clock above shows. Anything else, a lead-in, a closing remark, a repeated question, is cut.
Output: 12:50
